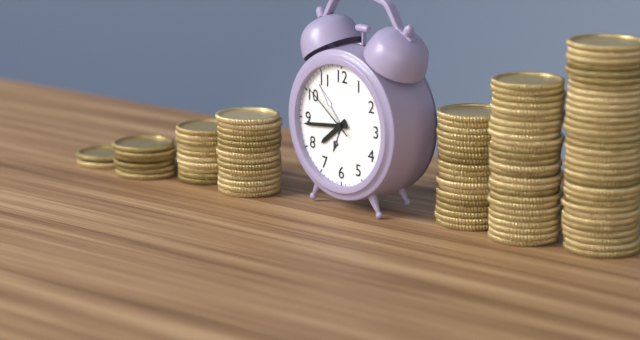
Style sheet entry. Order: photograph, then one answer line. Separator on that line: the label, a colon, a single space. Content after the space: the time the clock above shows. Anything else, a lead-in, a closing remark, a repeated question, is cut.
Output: 7:44:51
